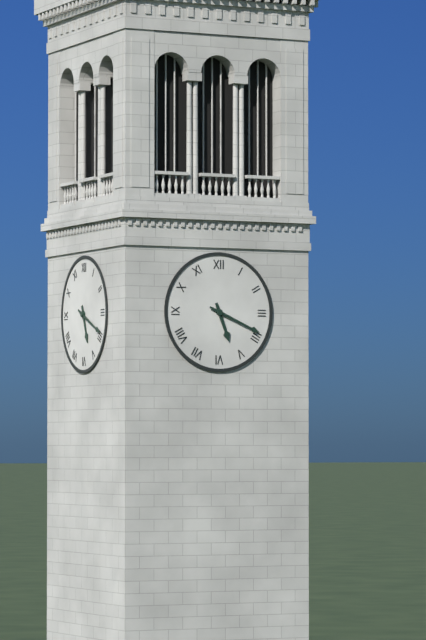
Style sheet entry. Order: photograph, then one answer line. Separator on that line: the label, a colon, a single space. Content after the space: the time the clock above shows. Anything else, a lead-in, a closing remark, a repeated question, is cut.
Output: 5:19
